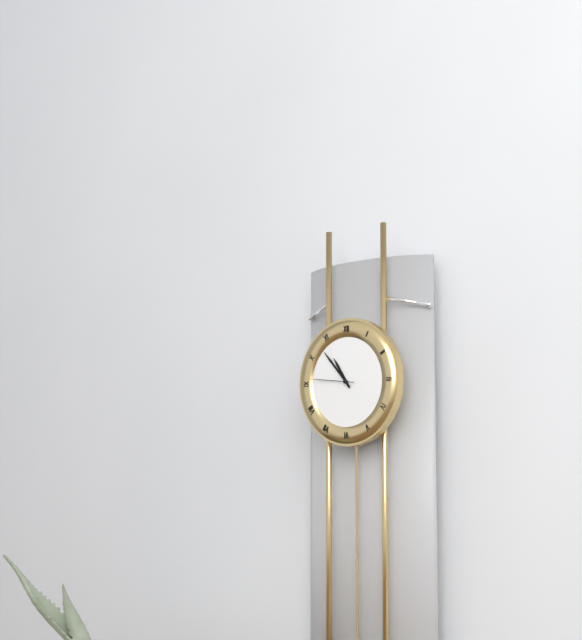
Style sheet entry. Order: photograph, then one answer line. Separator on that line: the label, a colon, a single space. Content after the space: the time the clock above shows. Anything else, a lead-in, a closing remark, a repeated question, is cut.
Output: 10:53
